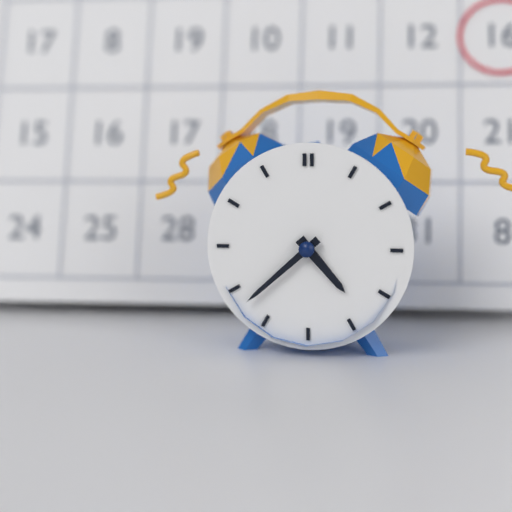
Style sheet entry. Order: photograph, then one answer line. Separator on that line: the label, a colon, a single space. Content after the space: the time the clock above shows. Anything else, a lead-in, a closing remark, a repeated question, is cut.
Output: 4:38
